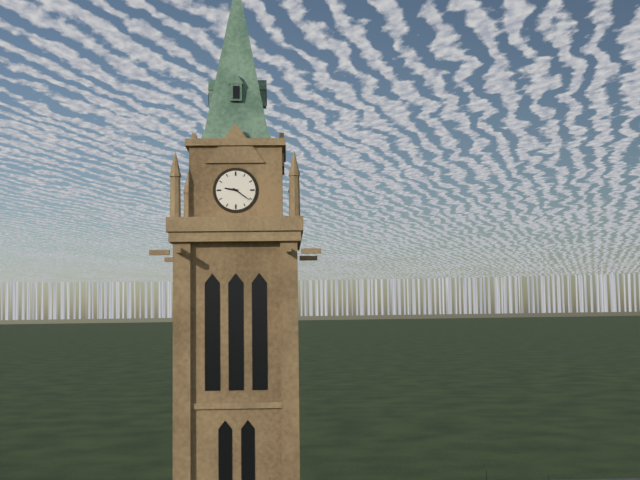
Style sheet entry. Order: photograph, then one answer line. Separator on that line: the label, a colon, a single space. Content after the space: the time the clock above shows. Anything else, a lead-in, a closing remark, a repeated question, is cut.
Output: 9:21
